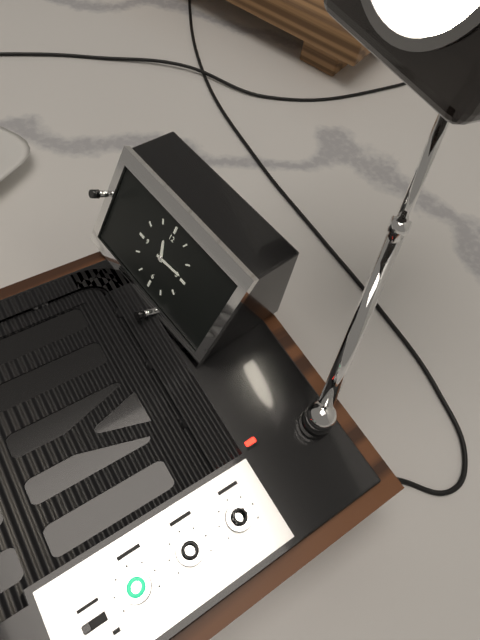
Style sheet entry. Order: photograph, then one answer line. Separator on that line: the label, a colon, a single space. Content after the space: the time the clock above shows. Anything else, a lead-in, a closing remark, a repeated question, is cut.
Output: 11:14
